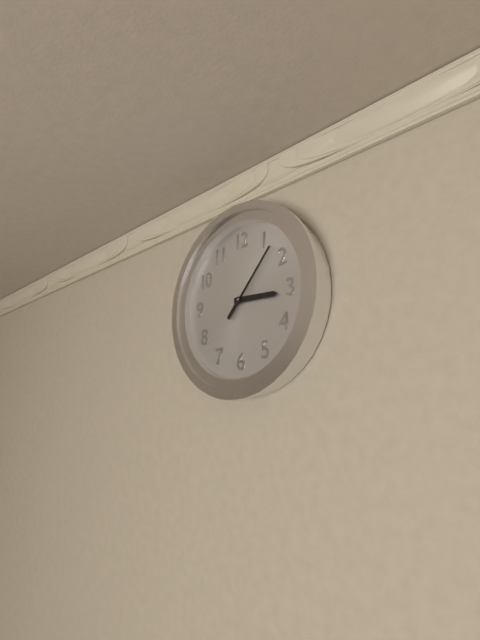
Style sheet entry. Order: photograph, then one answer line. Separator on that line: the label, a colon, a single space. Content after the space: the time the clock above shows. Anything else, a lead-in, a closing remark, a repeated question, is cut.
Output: 3:07
